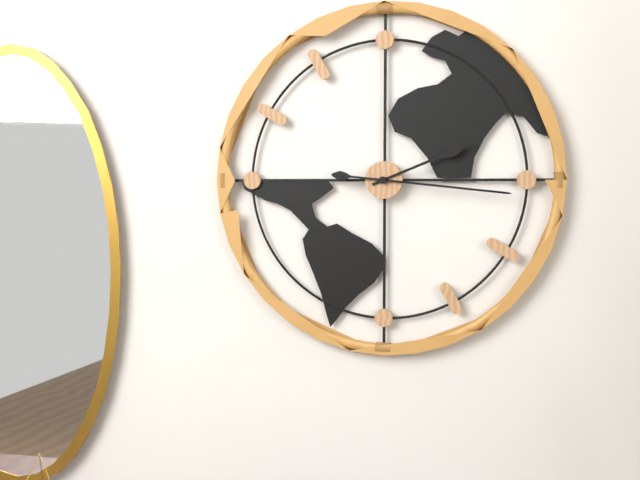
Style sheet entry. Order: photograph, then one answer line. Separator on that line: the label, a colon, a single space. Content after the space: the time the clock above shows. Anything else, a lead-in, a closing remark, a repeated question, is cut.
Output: 2:16
